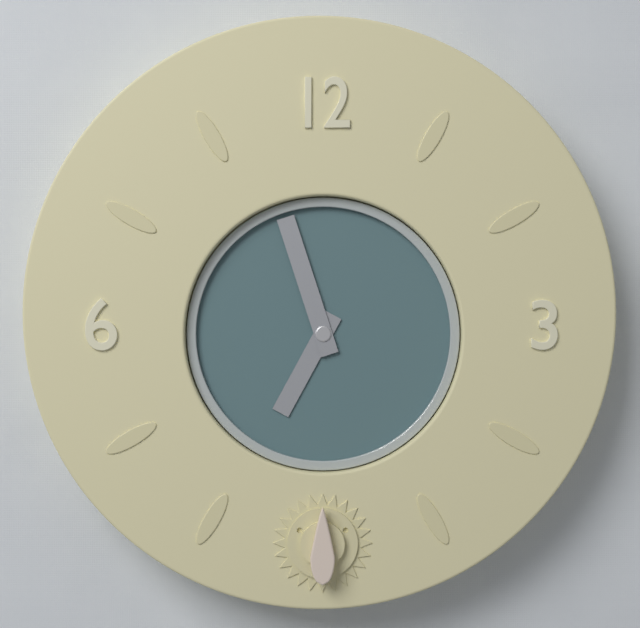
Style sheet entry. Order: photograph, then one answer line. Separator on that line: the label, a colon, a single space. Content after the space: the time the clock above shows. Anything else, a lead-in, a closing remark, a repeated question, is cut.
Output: 6:57
